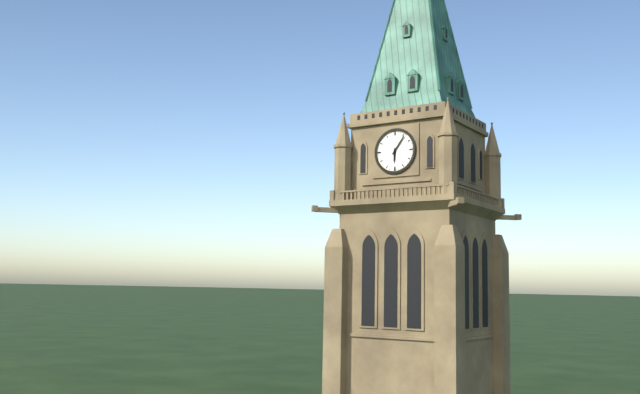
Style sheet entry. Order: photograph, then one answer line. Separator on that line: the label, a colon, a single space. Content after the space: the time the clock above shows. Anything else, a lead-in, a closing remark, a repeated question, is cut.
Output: 6:06
